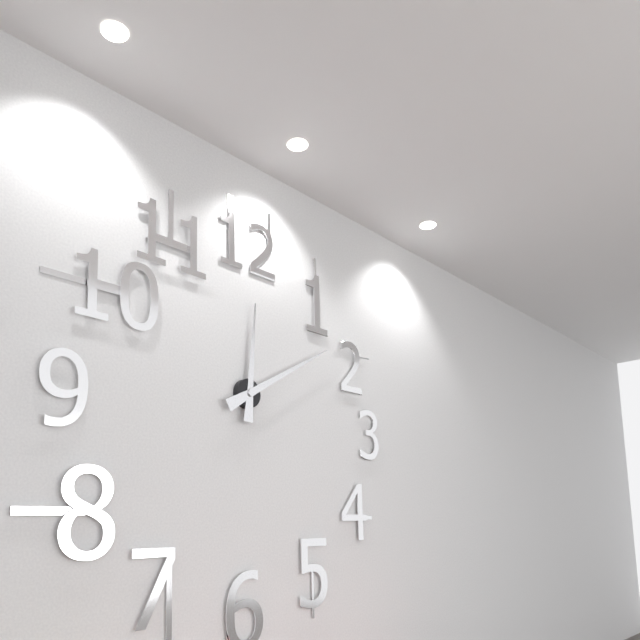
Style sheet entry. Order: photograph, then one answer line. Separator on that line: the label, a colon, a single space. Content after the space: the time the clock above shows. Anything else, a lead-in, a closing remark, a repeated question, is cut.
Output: 12:10
